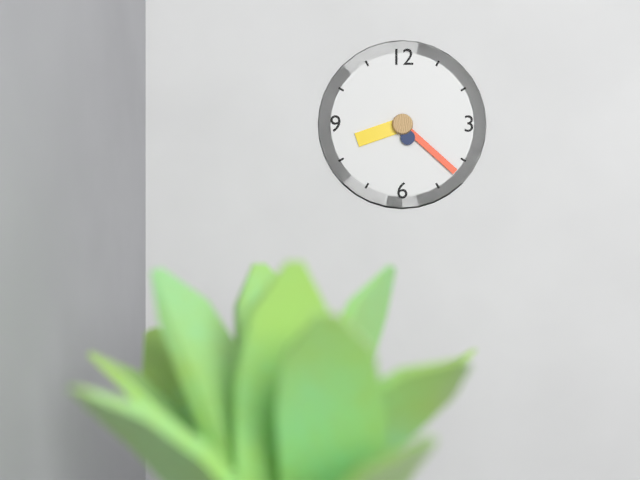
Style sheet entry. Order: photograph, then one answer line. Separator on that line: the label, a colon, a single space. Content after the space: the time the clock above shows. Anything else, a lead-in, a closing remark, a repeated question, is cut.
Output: 8:22
